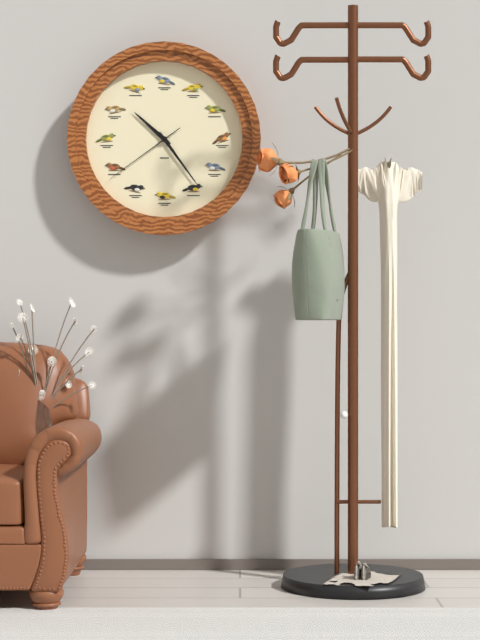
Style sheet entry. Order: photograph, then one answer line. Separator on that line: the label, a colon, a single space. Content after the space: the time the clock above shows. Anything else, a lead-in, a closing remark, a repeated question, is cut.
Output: 10:24:39
